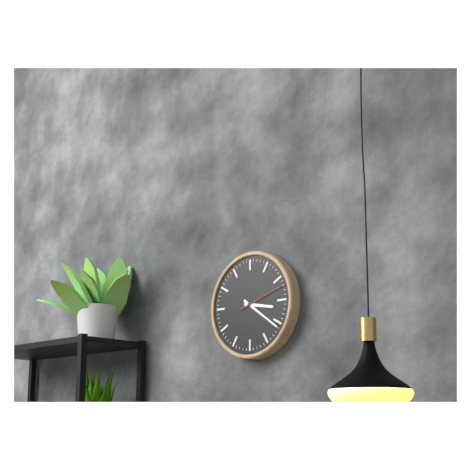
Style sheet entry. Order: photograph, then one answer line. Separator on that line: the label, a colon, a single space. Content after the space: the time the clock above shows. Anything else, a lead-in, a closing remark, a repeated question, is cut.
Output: 3:21
